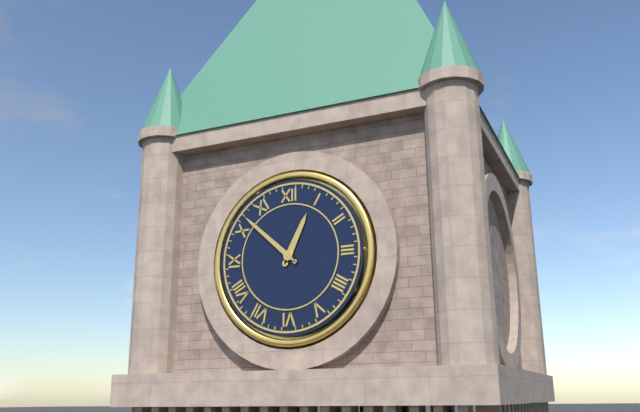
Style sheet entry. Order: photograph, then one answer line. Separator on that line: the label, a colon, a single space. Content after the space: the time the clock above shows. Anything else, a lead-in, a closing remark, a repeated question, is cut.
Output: 12:52
